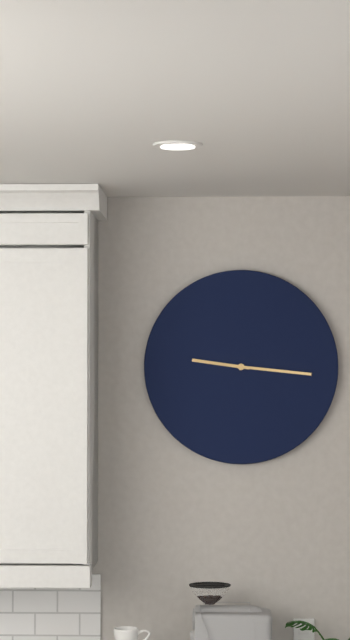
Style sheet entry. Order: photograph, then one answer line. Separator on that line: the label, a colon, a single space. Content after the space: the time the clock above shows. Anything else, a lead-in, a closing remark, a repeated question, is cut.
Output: 9:16
